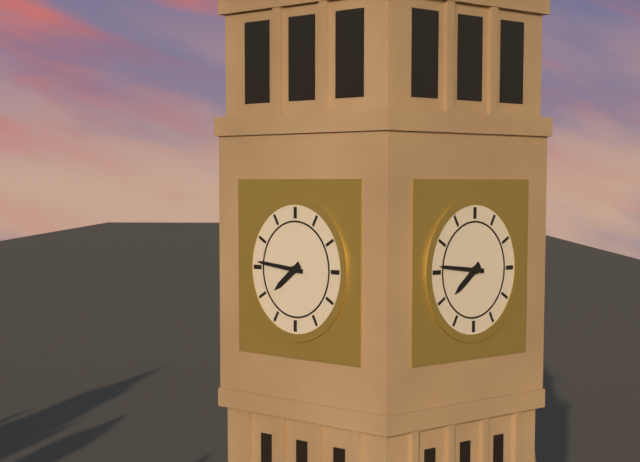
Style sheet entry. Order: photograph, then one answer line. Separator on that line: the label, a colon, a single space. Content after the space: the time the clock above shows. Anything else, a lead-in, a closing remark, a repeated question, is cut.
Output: 7:46
